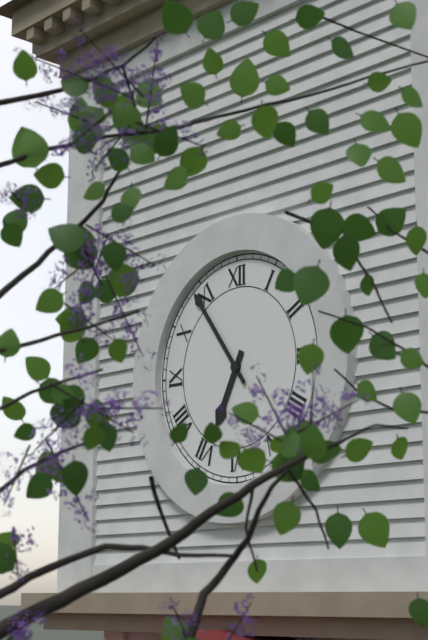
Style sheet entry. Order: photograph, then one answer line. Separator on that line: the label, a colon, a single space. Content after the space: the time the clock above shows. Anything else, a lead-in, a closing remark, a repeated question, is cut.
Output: 6:54
